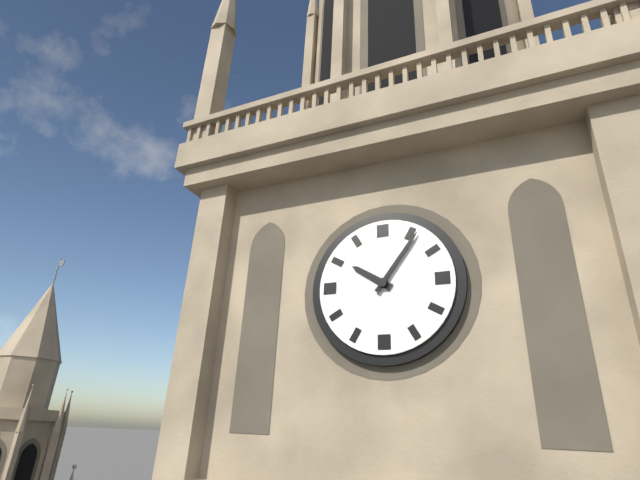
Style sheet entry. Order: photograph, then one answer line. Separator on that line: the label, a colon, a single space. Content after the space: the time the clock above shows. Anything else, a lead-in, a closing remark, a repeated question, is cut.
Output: 10:06
